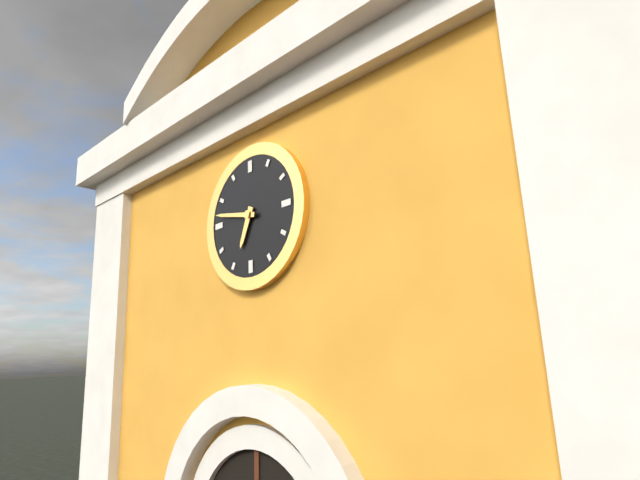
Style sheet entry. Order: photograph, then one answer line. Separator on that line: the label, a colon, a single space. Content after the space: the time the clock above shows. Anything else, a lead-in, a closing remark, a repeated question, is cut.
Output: 6:47
